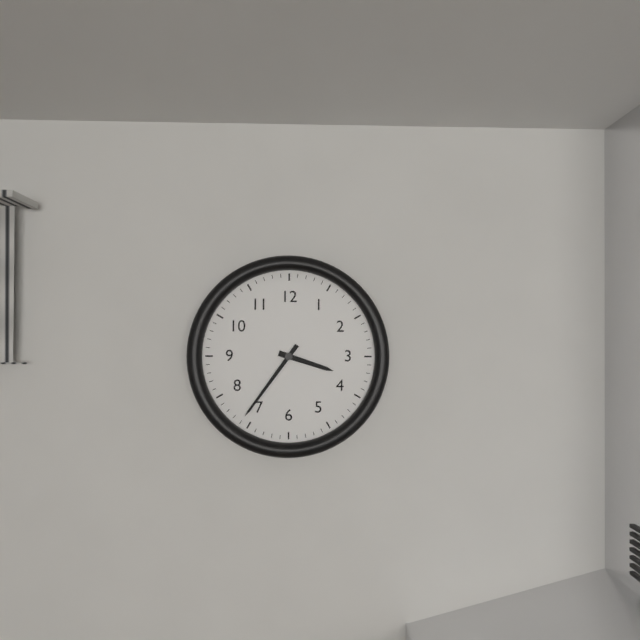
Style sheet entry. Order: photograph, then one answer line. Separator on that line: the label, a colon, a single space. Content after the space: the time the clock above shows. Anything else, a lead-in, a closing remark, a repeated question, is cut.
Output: 3:36
